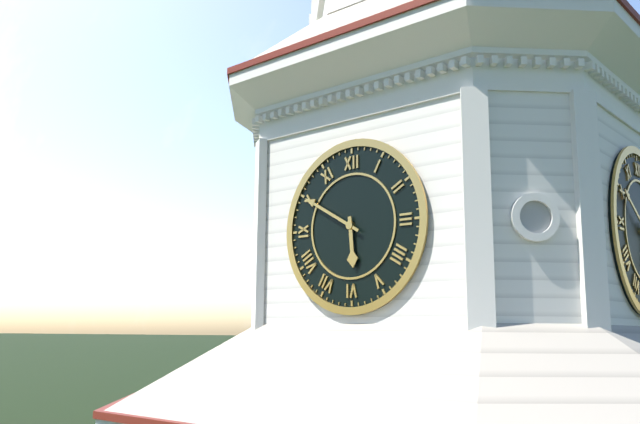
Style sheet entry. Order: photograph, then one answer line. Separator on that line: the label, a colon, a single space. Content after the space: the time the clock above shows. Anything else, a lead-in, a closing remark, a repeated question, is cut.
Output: 5:50
